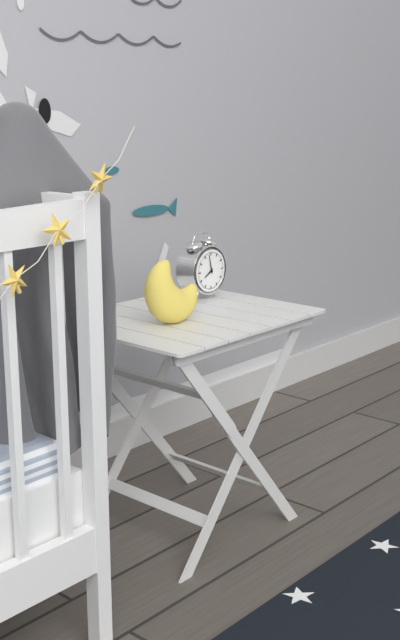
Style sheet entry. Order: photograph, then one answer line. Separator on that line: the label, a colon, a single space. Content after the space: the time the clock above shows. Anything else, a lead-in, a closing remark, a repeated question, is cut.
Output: 7:58
